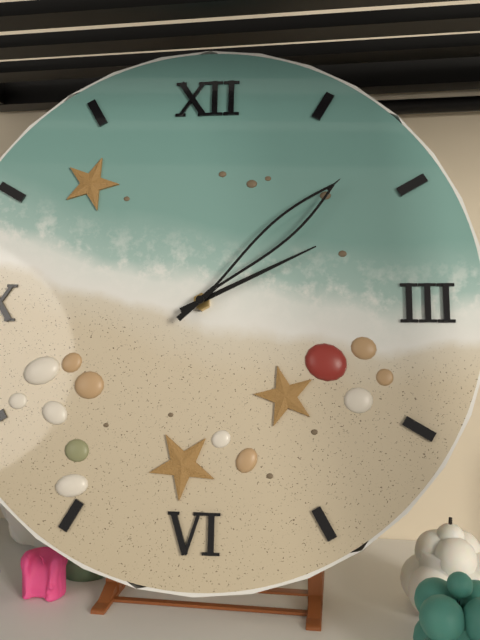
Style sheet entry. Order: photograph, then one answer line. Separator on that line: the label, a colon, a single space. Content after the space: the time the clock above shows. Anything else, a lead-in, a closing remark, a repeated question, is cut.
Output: 2:08
